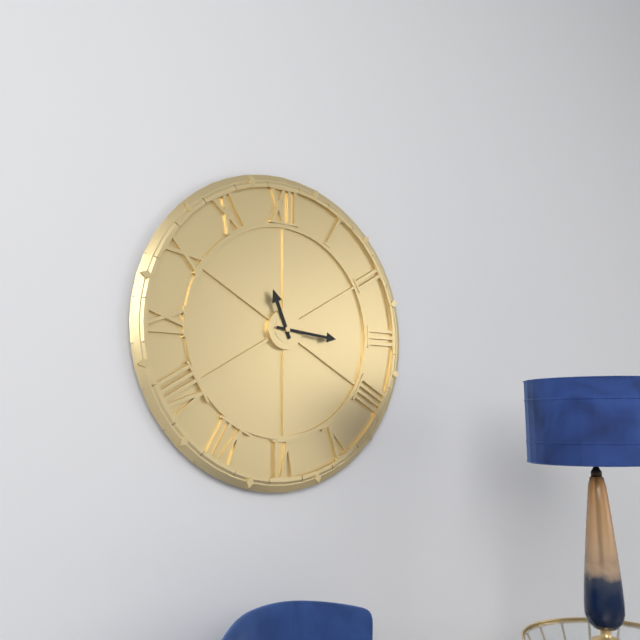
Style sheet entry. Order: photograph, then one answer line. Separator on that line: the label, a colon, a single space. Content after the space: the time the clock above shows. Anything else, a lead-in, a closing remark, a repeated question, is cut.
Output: 11:16
